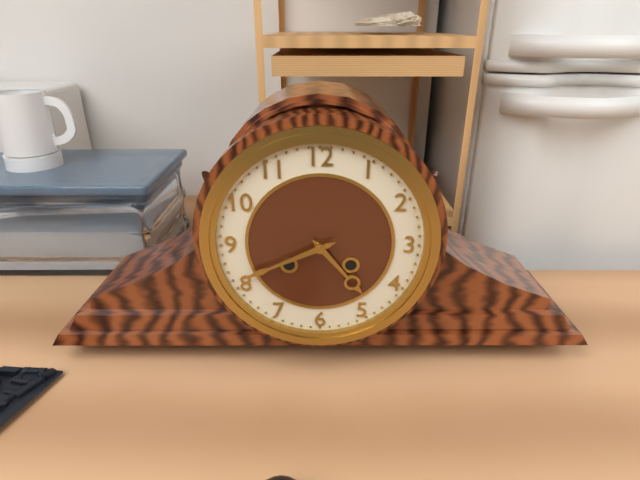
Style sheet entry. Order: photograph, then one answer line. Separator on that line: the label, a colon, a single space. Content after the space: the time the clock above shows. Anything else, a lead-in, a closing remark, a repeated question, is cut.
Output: 4:41
